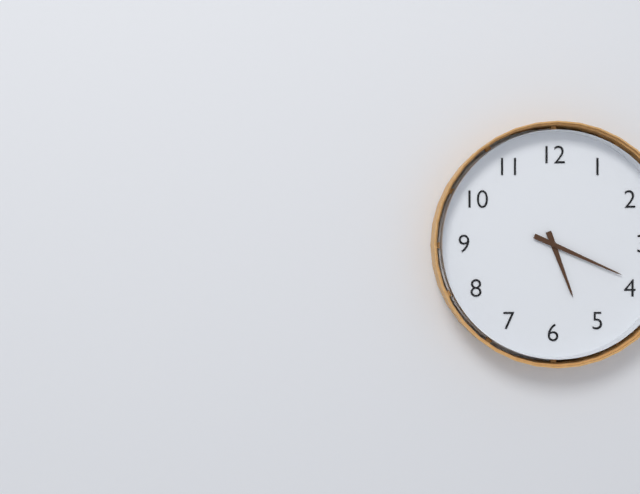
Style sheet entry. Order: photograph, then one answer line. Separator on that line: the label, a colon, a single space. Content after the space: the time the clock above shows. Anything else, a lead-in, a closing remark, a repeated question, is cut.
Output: 5:19
